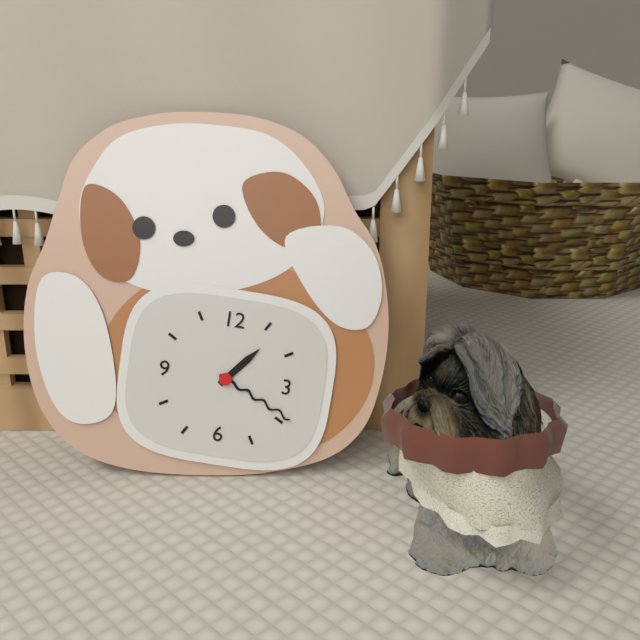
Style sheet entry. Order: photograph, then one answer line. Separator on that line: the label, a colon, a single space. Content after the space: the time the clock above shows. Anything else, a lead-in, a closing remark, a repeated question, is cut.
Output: 1:19
